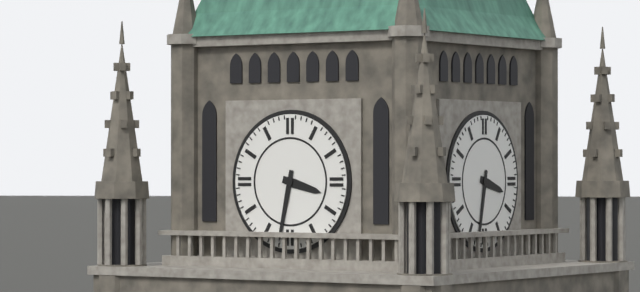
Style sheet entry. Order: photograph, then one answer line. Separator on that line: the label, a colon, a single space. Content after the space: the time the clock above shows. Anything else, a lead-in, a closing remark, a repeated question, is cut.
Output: 3:32
